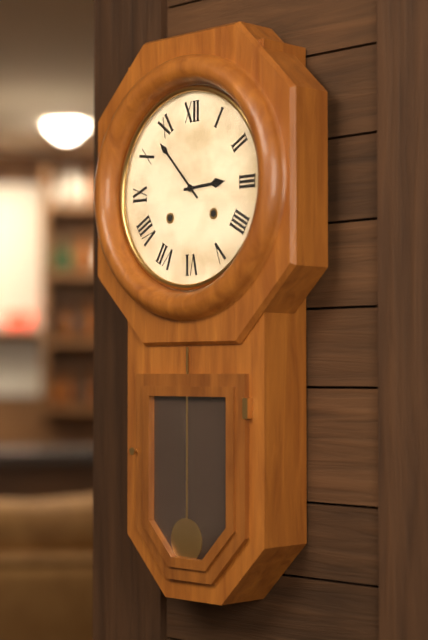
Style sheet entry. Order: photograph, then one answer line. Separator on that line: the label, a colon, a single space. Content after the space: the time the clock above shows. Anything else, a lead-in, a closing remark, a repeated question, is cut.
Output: 2:53
